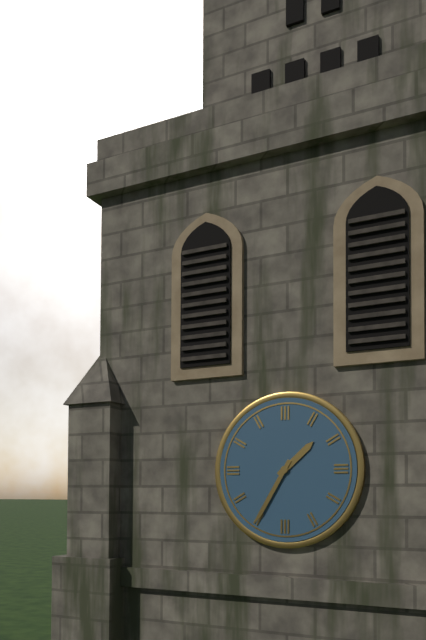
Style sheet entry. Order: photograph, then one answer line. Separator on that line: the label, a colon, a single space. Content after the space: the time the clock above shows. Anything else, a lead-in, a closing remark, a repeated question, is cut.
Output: 1:35
